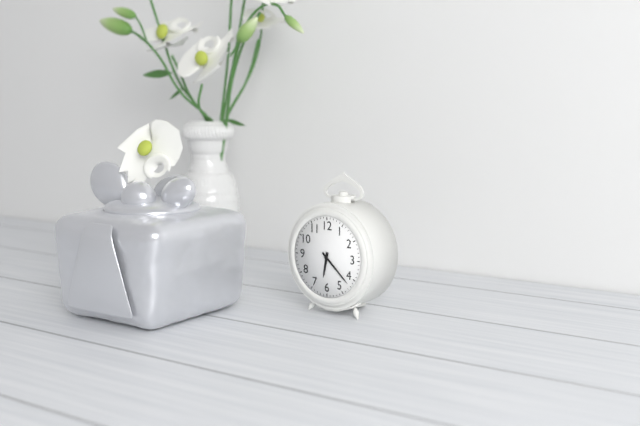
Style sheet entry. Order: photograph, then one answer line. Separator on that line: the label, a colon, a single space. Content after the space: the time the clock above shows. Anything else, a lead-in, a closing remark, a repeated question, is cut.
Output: 6:22
